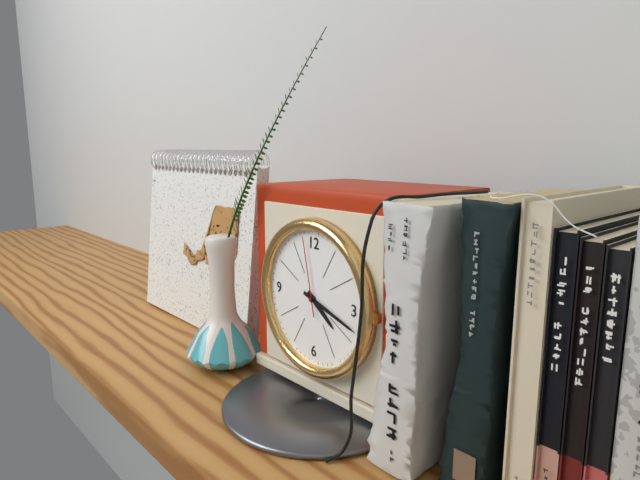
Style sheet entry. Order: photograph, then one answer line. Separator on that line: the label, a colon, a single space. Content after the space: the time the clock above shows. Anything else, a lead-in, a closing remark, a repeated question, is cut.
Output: 4:18:58
